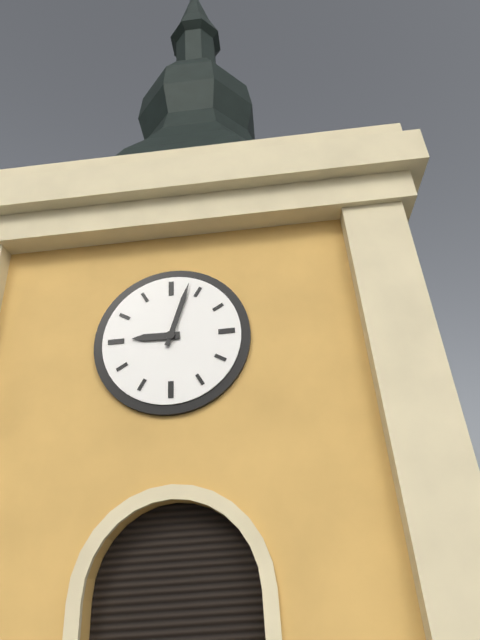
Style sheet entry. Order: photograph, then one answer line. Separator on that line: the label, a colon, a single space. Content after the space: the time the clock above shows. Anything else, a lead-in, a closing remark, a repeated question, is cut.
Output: 9:03
